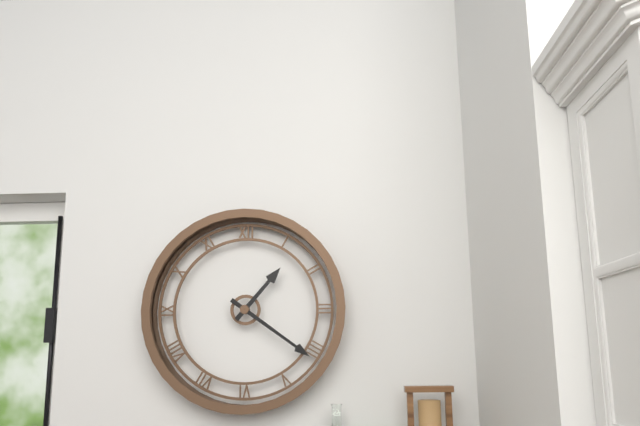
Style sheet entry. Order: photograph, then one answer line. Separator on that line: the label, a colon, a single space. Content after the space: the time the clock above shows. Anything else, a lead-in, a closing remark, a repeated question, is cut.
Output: 1:21
